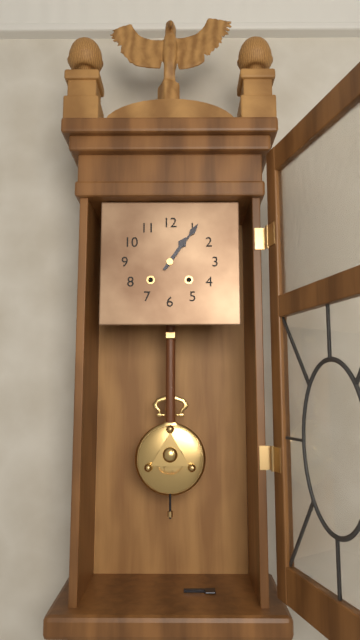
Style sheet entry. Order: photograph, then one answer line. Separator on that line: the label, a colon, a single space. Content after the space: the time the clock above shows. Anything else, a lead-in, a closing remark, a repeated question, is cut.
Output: 1:06
